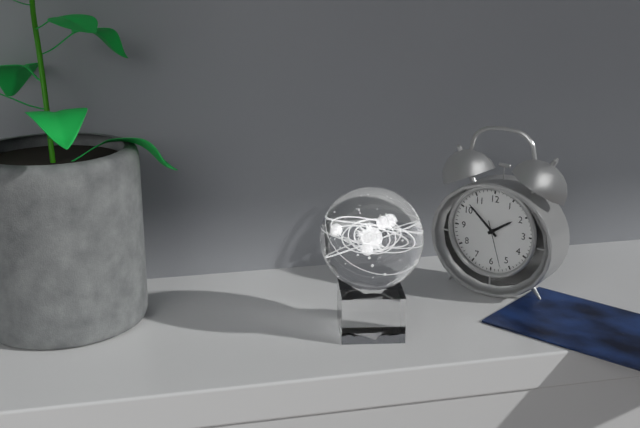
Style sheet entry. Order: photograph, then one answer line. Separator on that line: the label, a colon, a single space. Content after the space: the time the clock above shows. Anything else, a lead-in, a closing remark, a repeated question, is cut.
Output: 1:52
